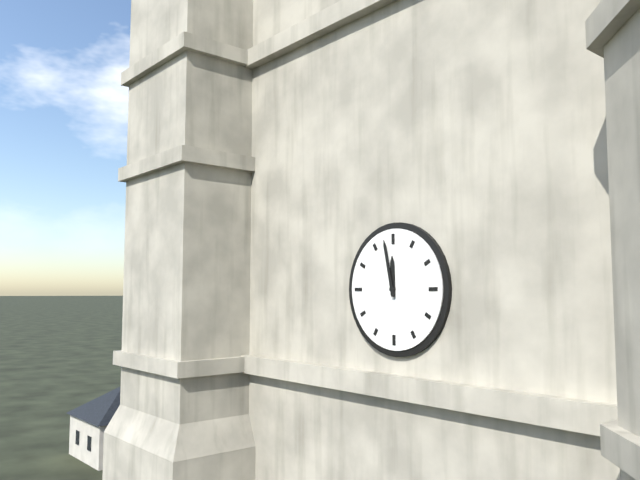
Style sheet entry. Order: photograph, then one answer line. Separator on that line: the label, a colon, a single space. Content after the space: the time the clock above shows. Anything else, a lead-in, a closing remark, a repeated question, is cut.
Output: 11:58
